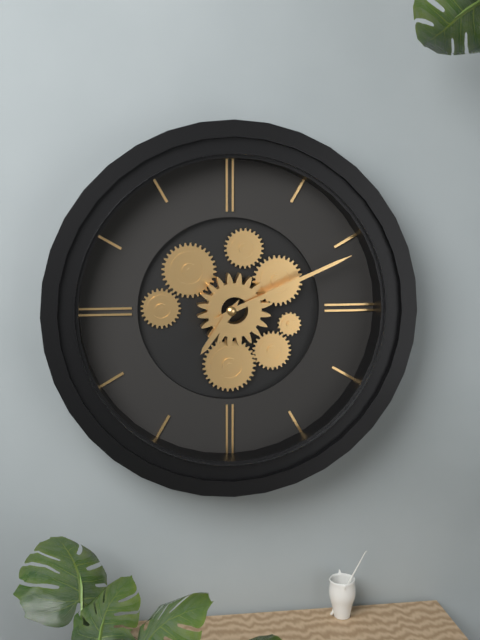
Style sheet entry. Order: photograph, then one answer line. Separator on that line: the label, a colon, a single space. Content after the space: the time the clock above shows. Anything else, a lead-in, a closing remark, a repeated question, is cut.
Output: 7:11
